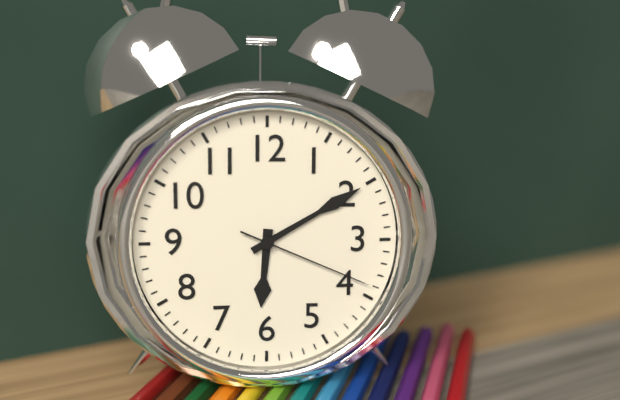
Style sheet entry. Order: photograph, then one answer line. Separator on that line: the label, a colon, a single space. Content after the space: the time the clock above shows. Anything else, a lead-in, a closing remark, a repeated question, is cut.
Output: 6:10:19
